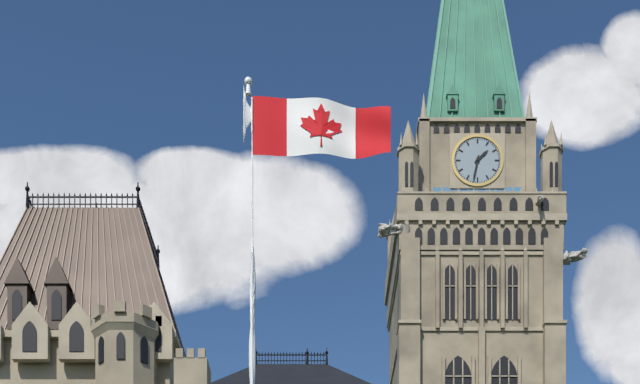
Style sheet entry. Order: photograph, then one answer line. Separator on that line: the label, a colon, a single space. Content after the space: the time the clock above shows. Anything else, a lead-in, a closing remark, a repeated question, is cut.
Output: 1:32
